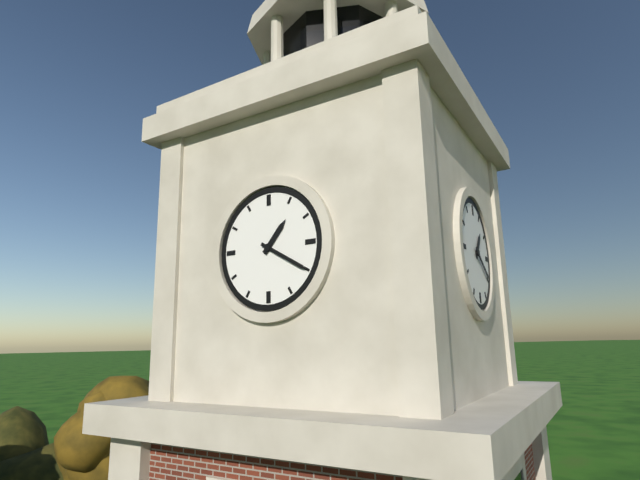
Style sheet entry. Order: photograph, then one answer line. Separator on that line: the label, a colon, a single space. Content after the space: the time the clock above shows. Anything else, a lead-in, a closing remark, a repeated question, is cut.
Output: 1:20
